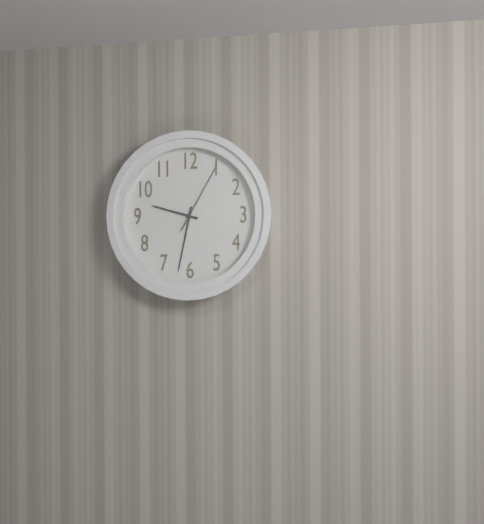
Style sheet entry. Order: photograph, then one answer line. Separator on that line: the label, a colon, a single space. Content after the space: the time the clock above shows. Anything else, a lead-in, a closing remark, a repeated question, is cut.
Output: 9:32:05
